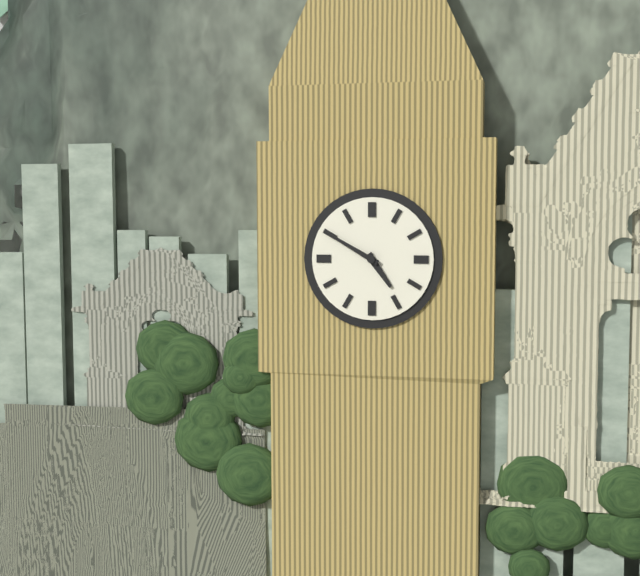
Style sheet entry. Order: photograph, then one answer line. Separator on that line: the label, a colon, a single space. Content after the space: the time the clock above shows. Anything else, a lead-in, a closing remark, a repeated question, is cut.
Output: 4:50
